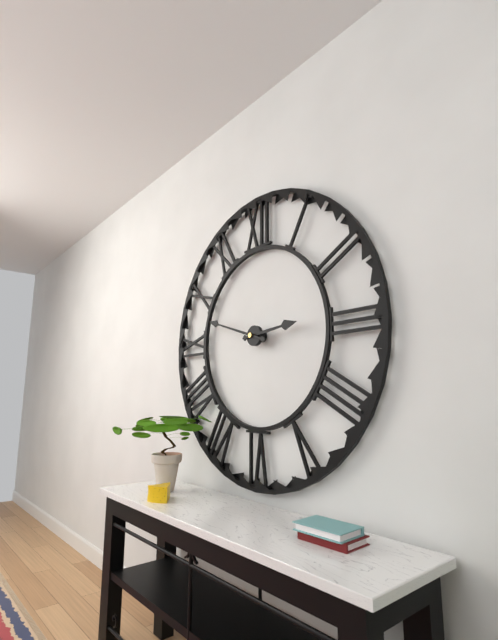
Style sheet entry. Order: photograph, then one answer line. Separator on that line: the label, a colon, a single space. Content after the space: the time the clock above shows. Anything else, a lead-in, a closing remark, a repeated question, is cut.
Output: 2:48
